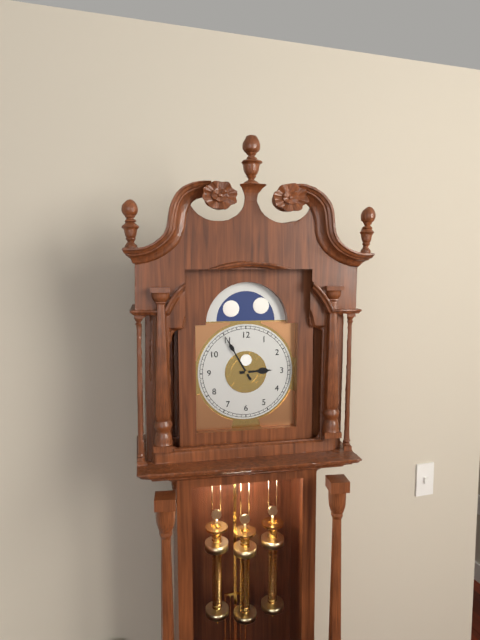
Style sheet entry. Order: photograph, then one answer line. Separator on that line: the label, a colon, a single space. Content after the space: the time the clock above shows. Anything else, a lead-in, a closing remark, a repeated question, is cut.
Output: 2:55
